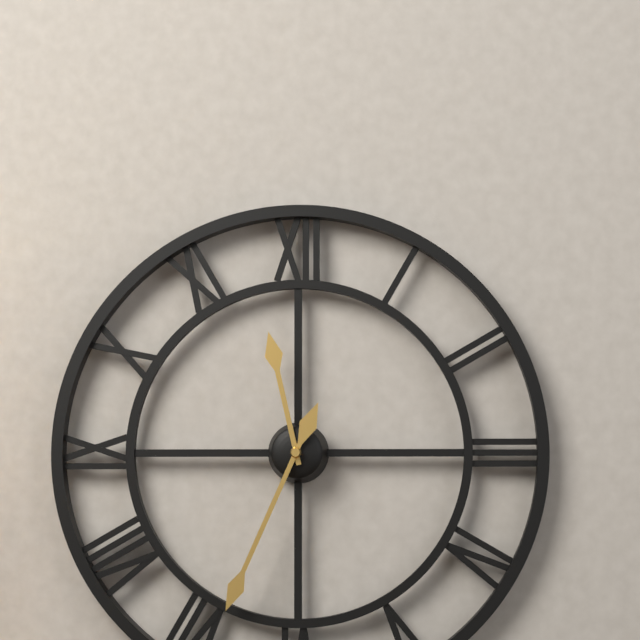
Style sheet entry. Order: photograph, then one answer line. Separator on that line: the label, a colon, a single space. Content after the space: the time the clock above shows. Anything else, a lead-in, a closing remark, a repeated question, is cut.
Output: 11:34
